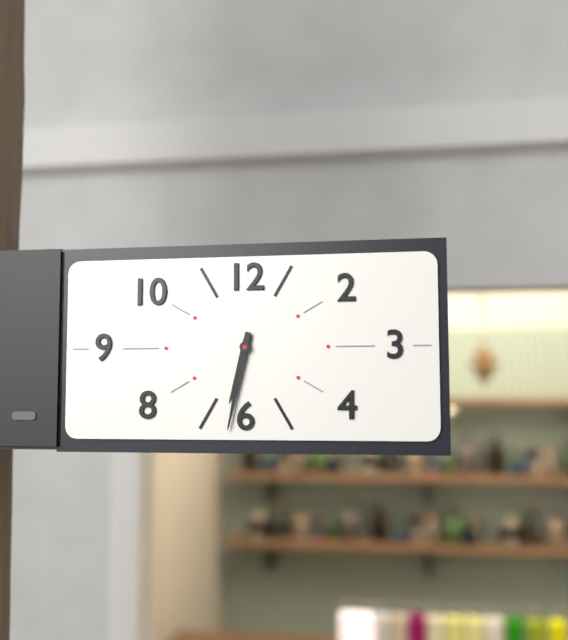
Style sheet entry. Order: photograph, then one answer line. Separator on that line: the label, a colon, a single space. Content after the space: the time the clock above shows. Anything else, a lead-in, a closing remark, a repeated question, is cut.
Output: 6:32
